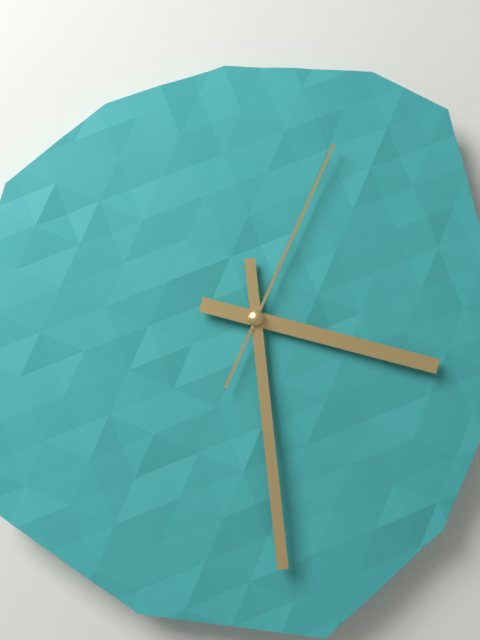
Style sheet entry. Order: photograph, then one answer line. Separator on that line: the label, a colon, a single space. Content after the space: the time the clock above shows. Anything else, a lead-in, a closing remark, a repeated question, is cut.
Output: 3:29:04
